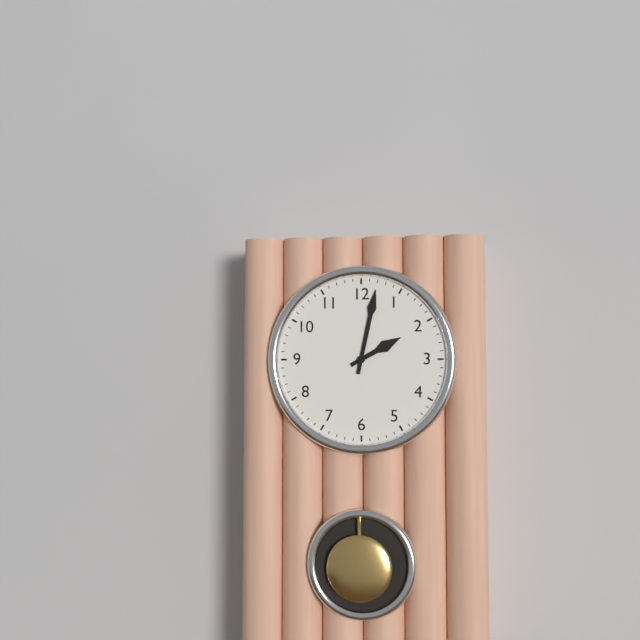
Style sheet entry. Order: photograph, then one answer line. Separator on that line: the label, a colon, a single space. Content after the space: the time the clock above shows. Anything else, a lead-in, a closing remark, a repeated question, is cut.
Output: 2:02
